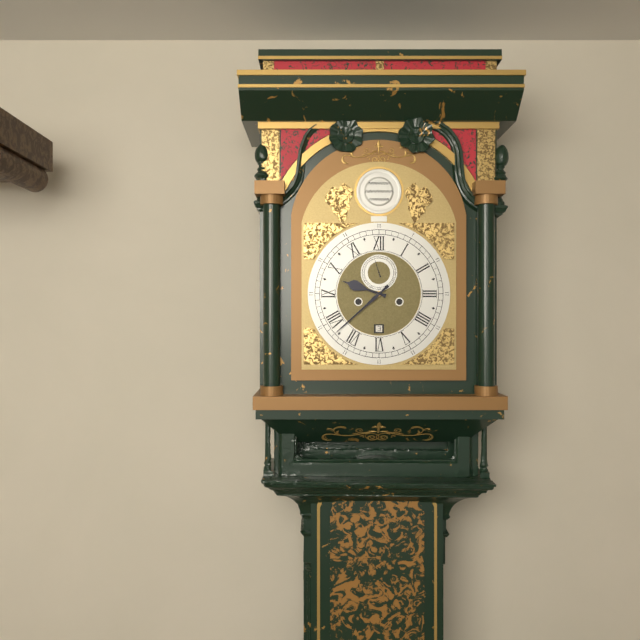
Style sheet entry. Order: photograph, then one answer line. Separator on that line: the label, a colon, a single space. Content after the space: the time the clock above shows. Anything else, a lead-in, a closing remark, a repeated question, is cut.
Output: 9:38
